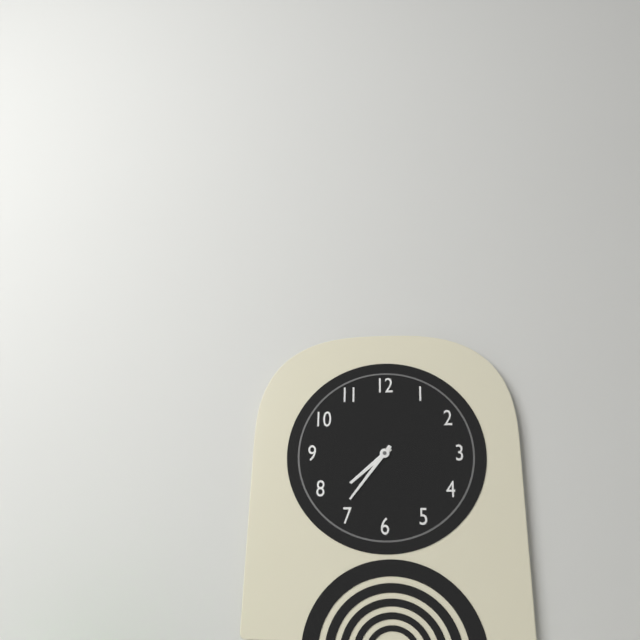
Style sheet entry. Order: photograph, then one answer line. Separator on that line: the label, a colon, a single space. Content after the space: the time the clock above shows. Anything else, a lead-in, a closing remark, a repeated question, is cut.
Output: 7:36
